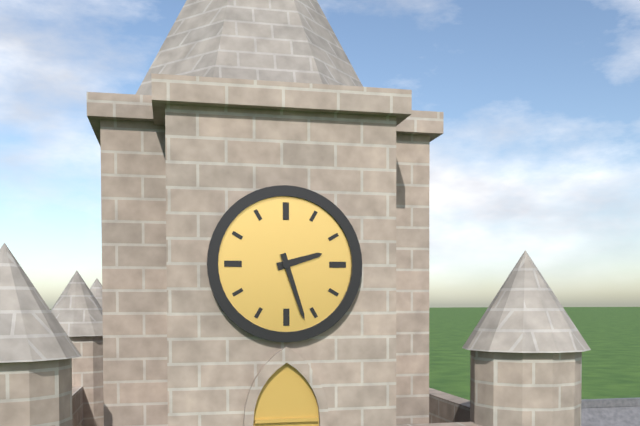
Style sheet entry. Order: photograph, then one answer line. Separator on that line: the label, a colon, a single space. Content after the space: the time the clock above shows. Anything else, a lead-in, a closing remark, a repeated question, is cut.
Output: 2:27
